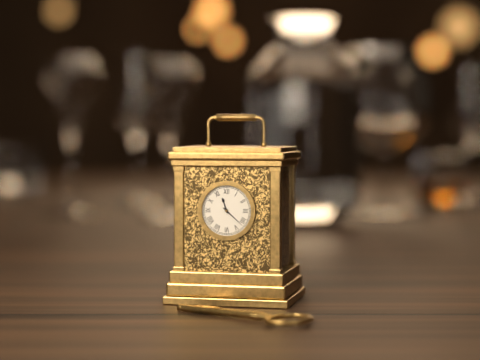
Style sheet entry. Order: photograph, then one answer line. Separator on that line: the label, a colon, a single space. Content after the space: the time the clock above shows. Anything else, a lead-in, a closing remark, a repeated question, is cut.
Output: 11:22
